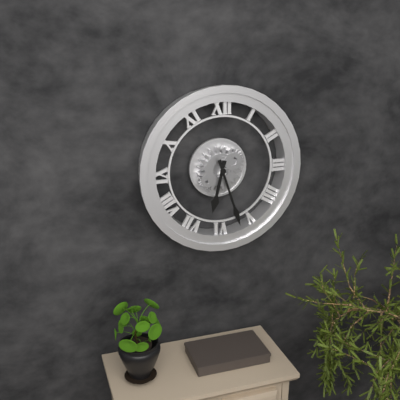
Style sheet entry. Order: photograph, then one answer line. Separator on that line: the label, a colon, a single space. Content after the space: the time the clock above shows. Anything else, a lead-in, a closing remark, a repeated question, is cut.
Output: 6:27
